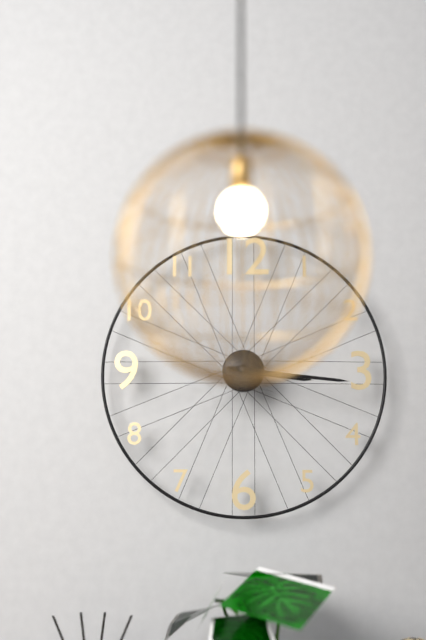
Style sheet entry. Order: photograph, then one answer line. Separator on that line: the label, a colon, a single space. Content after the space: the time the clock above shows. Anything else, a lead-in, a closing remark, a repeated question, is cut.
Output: 3:16
